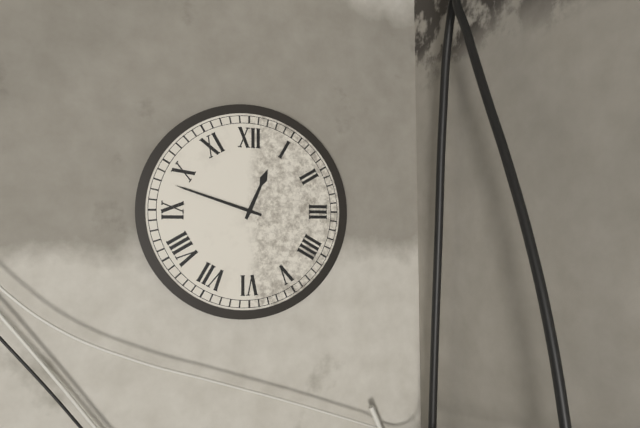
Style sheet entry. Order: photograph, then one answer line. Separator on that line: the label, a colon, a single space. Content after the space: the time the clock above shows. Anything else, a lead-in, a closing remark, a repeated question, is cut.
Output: 12:48
